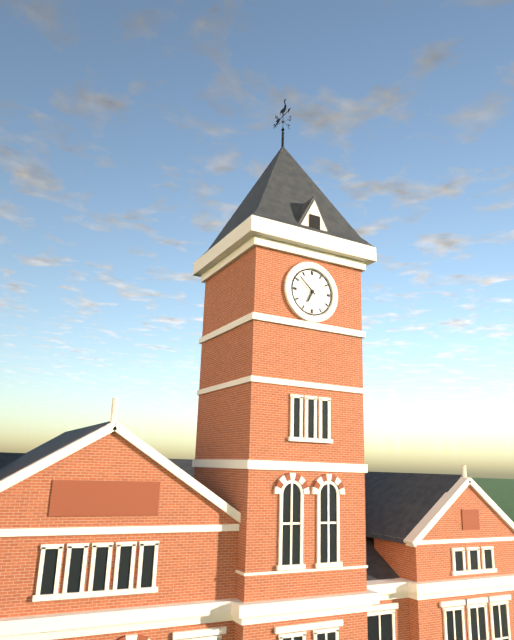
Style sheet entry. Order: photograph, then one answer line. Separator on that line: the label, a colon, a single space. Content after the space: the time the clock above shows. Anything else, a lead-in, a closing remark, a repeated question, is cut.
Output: 6:52
